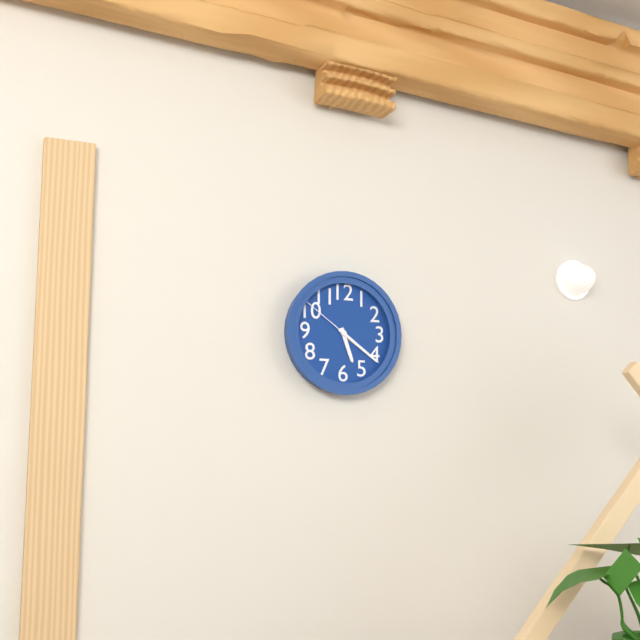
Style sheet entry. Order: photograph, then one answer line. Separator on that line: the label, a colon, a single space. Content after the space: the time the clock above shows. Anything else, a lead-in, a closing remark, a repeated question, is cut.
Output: 5:21:51
